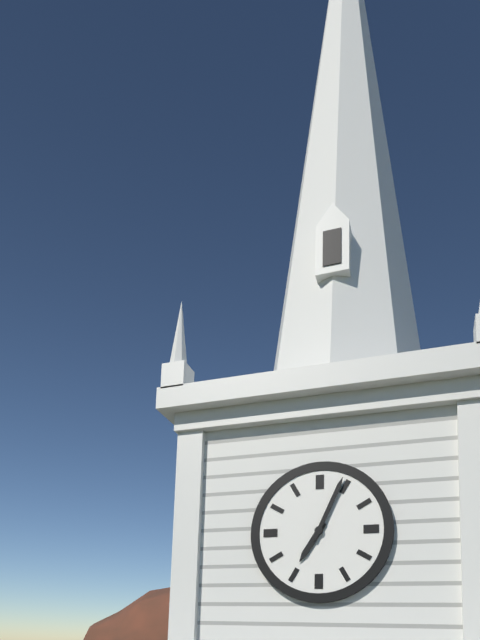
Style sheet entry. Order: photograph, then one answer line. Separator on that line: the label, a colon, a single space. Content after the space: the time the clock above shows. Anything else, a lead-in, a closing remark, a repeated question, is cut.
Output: 7:04
